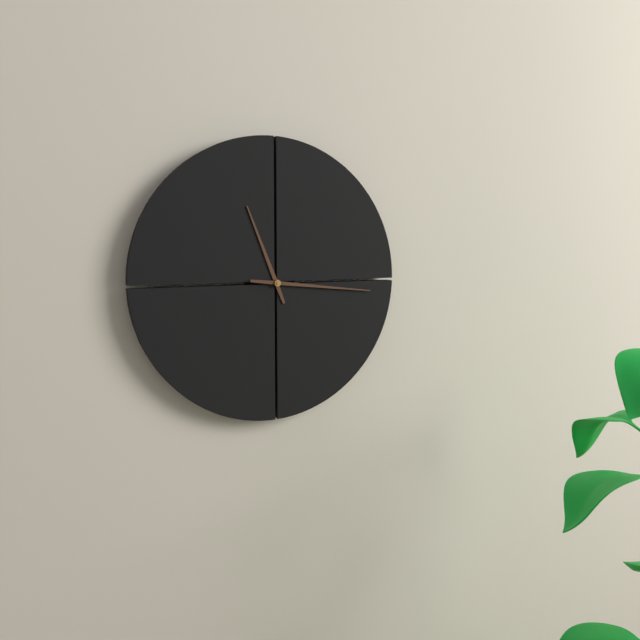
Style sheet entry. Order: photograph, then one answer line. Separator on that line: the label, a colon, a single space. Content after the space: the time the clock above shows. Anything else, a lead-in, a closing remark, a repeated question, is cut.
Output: 11:16
